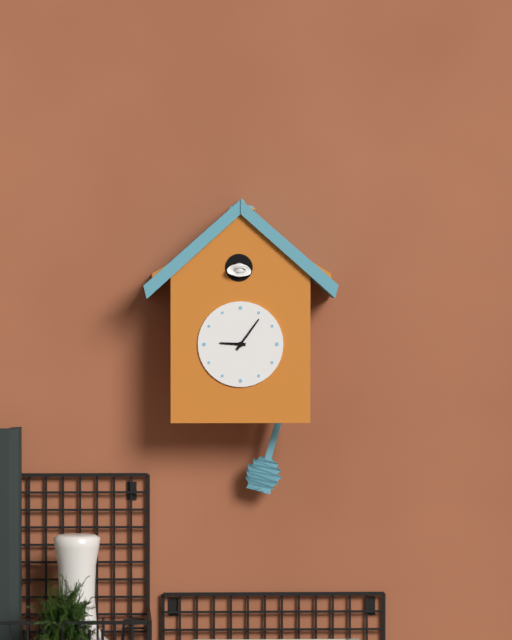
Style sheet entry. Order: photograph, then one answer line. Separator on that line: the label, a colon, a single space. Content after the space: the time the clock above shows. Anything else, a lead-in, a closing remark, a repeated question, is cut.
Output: 9:06
